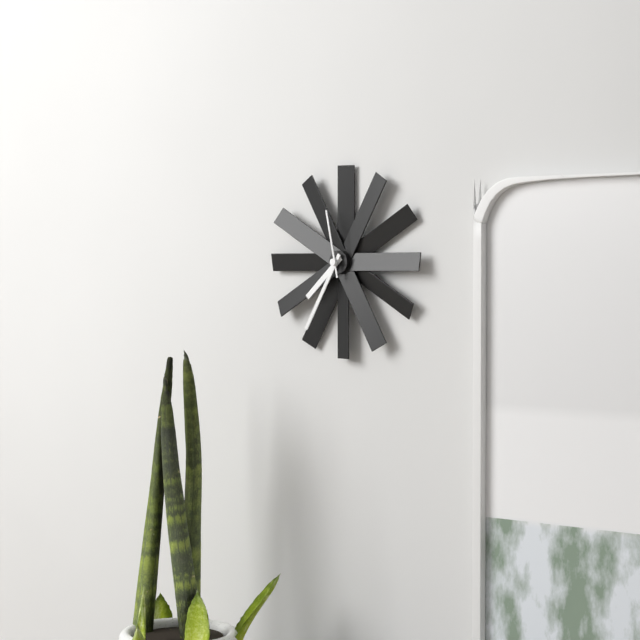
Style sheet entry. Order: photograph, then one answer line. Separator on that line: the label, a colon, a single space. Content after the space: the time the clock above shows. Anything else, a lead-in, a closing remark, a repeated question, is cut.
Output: 7:35:58
